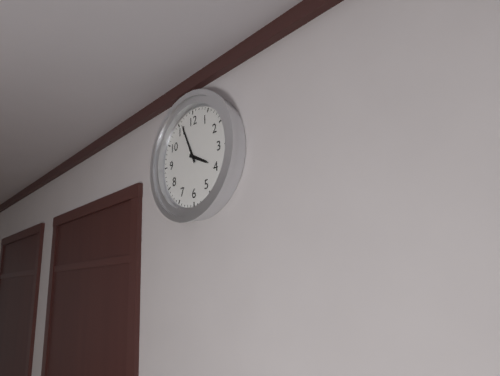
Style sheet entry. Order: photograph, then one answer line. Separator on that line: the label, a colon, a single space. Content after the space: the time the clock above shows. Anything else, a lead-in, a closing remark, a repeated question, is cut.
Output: 3:56
